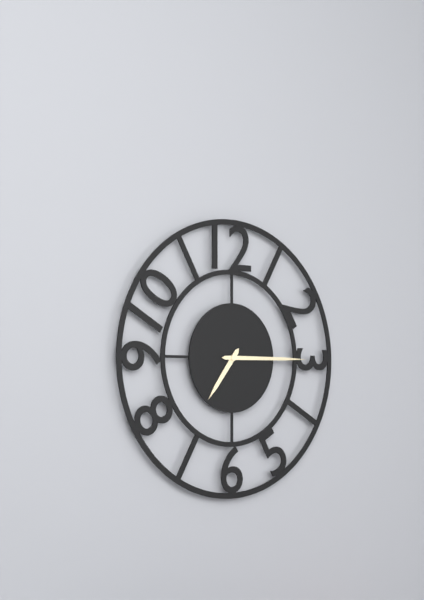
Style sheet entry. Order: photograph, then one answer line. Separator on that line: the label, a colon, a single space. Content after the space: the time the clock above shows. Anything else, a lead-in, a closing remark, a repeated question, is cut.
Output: 7:15
